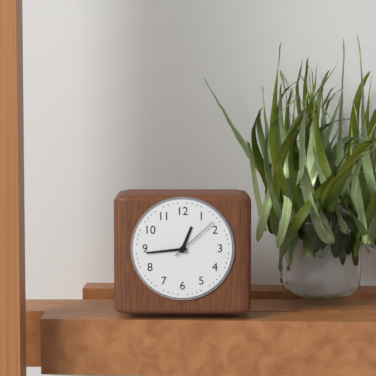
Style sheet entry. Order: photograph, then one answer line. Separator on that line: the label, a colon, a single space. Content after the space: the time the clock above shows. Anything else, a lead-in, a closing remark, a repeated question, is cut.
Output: 12:44:08
